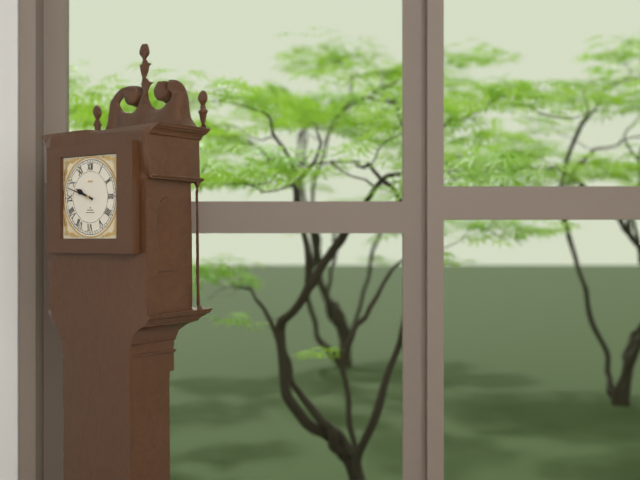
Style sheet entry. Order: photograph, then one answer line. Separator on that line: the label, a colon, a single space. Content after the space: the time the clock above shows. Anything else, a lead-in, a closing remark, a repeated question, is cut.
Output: 9:48
